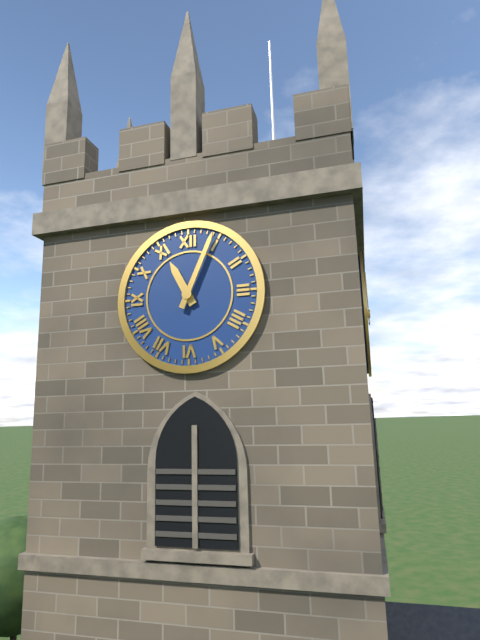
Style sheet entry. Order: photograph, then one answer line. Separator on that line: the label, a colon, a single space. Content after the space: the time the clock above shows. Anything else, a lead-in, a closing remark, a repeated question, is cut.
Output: 11:04
